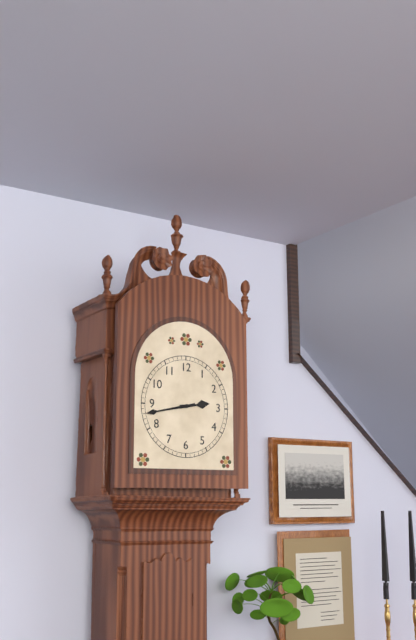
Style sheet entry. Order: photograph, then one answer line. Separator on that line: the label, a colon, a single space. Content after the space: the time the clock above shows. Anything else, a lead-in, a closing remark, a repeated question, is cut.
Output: 2:43
